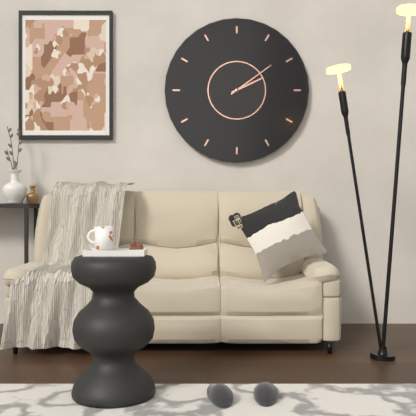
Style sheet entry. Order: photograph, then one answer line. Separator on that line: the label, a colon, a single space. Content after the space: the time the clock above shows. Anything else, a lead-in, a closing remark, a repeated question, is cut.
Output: 2:09
